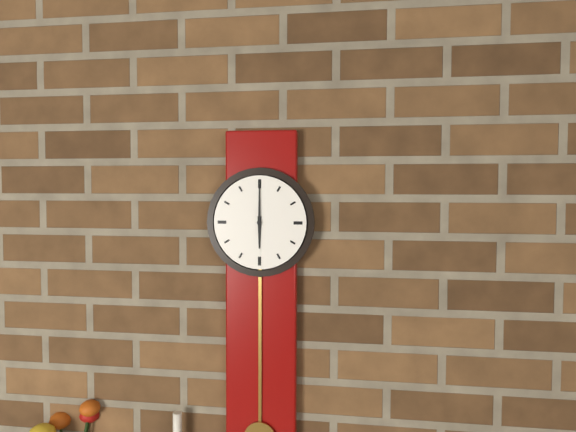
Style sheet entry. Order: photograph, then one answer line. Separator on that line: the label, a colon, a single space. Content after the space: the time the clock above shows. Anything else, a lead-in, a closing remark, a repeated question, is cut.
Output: 6:00
